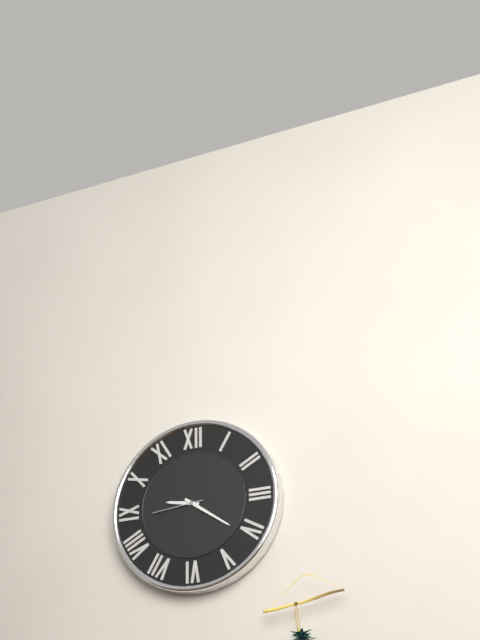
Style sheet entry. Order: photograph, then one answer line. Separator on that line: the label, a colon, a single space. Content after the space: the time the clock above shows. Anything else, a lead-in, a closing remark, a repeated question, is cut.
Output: 9:21:44
